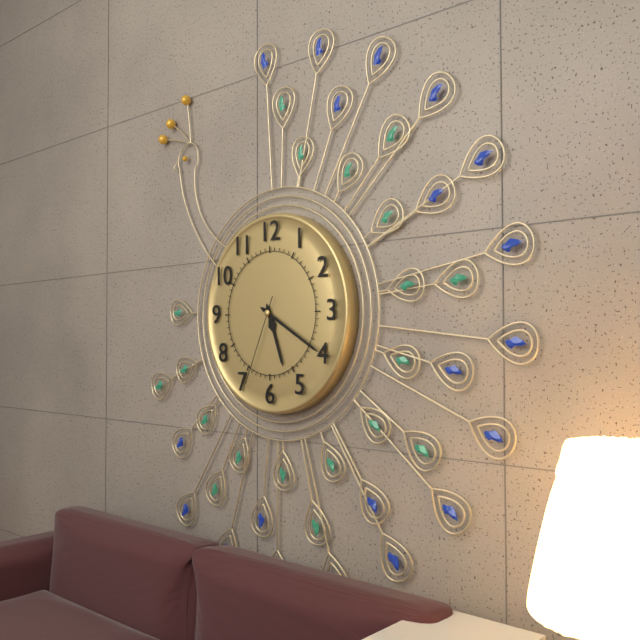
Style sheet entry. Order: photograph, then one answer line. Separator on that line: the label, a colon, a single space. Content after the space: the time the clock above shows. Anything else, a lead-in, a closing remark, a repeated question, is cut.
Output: 5:20:34
